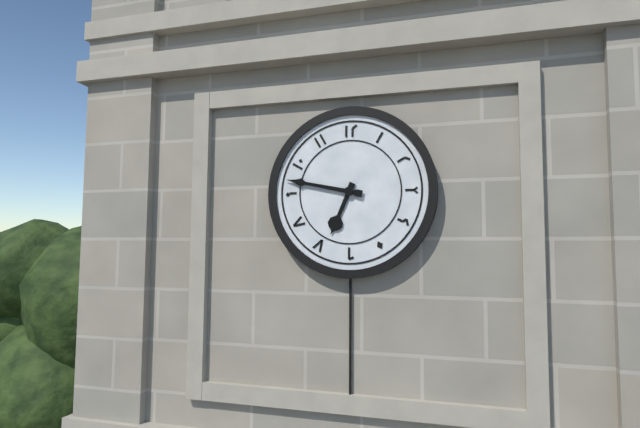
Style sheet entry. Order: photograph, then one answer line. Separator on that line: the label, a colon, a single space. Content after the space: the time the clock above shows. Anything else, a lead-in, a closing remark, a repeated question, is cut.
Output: 6:47
